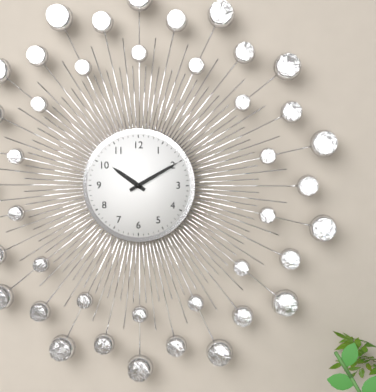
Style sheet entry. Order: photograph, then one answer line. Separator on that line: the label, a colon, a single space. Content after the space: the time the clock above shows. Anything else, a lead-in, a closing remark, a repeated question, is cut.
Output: 10:10
